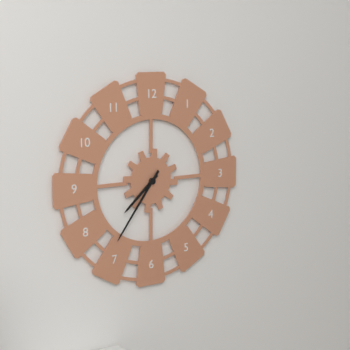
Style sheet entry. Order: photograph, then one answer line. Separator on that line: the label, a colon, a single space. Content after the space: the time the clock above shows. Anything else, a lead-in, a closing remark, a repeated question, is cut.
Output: 7:36
